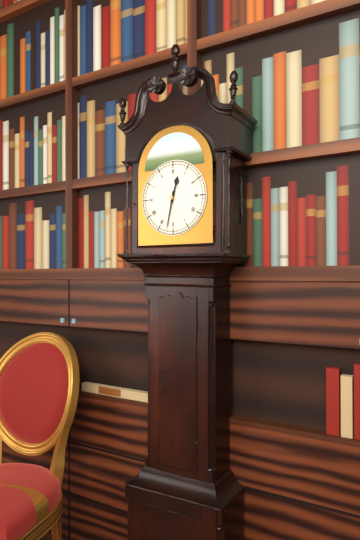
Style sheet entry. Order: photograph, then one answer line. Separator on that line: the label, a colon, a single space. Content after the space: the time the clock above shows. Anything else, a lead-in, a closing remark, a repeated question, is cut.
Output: 12:32
